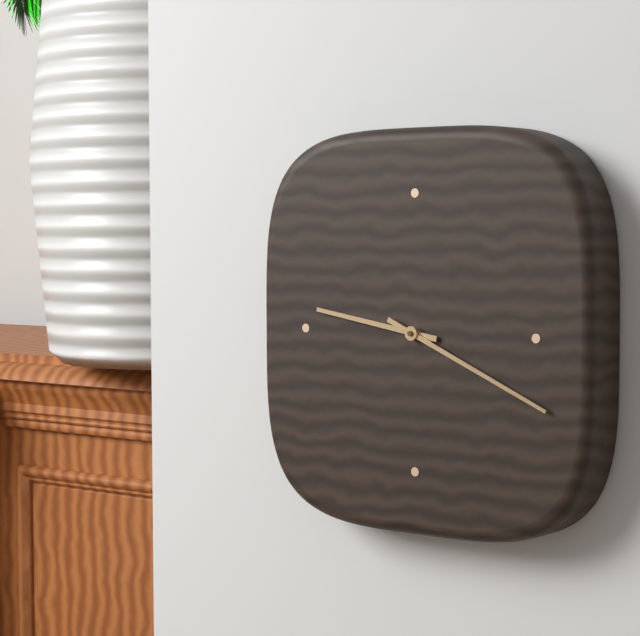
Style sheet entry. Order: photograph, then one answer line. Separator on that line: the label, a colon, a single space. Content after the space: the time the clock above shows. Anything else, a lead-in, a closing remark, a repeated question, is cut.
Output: 9:19
